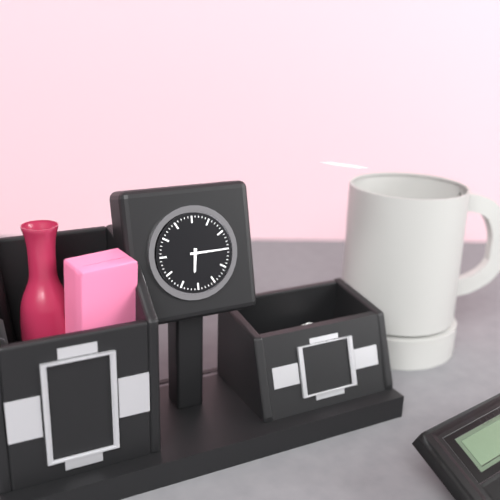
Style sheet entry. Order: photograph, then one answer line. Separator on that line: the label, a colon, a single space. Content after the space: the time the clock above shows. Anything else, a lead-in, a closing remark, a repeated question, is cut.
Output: 6:15
